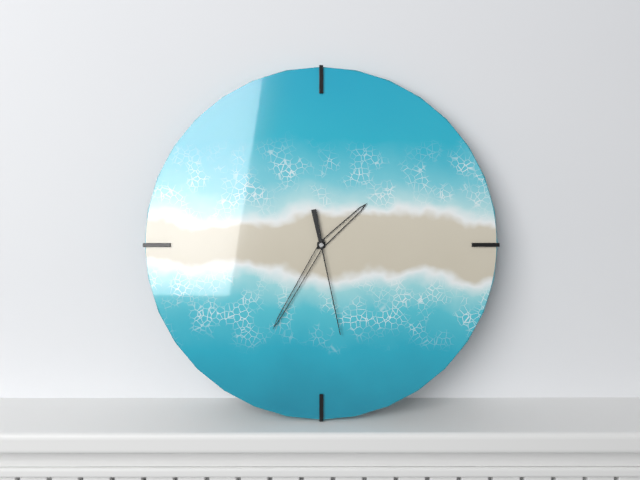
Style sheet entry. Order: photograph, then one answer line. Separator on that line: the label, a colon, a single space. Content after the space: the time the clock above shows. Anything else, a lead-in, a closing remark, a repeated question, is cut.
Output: 1:35:28
